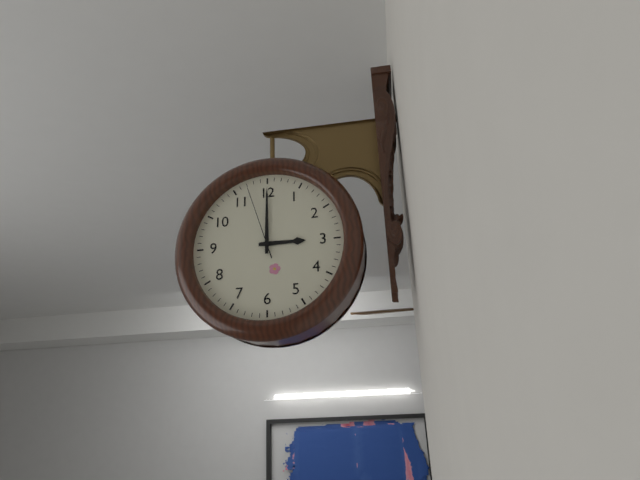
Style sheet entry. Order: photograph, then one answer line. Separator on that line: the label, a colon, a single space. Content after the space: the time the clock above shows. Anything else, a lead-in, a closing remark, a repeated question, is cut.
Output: 3:00:57
